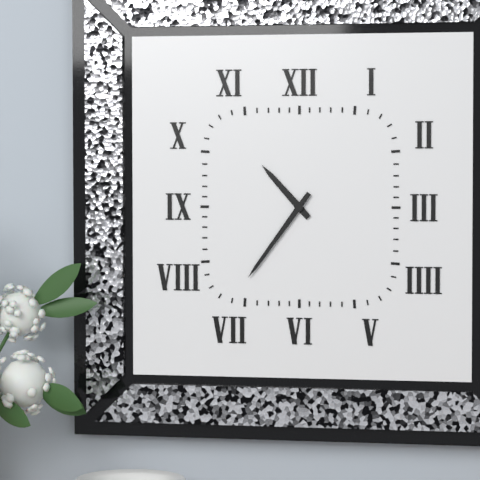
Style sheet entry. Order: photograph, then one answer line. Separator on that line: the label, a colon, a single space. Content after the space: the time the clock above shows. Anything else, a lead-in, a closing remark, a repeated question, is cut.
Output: 10:36
